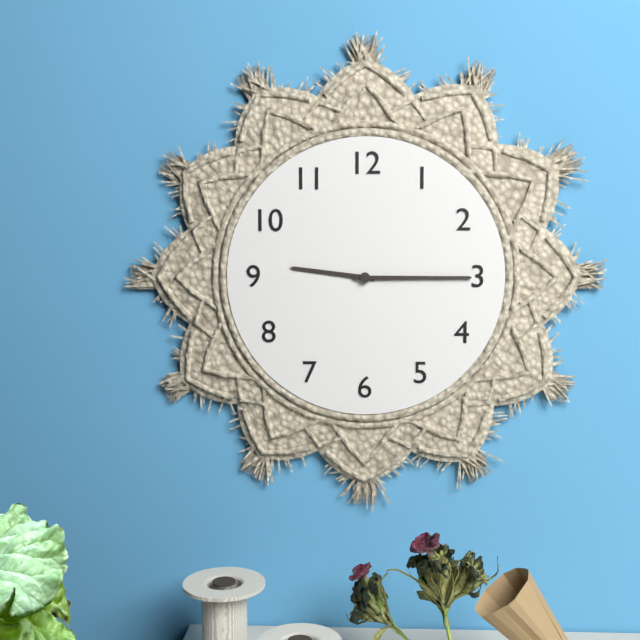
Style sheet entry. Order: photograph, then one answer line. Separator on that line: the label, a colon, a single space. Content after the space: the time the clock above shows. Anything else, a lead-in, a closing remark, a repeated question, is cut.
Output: 9:15
